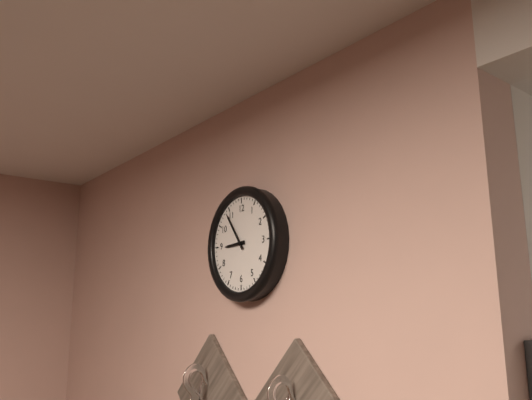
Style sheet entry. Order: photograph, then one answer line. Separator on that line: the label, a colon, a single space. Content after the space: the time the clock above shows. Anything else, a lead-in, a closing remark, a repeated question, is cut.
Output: 8:54
